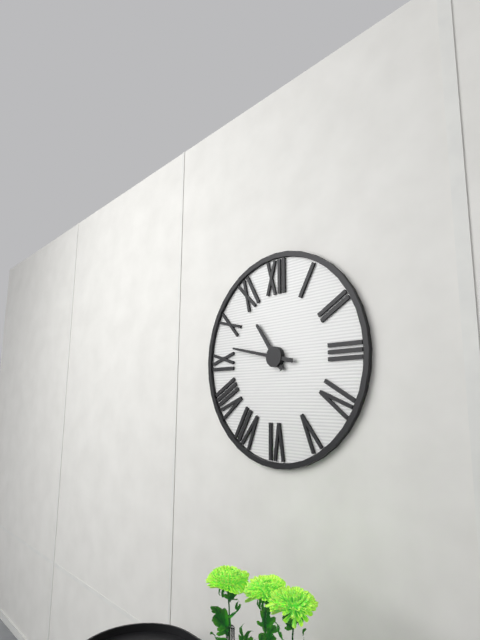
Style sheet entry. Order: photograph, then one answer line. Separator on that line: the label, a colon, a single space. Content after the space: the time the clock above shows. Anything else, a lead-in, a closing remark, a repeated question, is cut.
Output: 10:47
